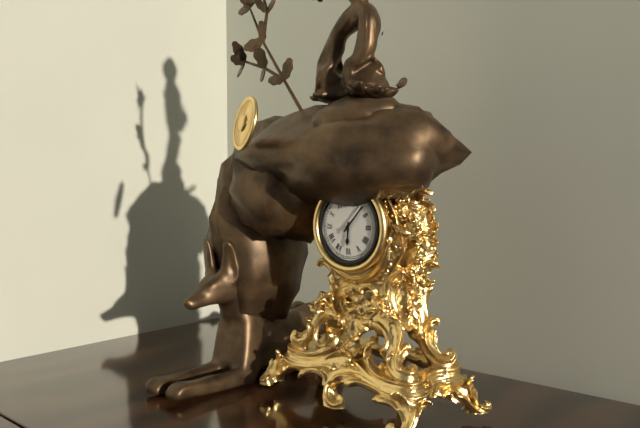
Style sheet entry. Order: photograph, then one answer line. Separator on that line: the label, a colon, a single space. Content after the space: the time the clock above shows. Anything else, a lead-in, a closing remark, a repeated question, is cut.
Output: 6:07
